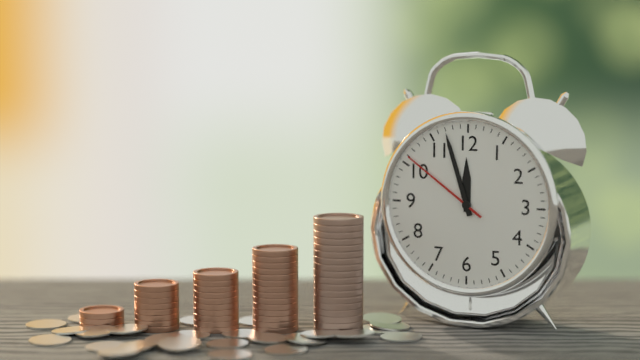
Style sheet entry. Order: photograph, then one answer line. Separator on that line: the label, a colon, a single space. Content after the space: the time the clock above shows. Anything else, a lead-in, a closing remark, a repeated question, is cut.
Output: 11:57:51
